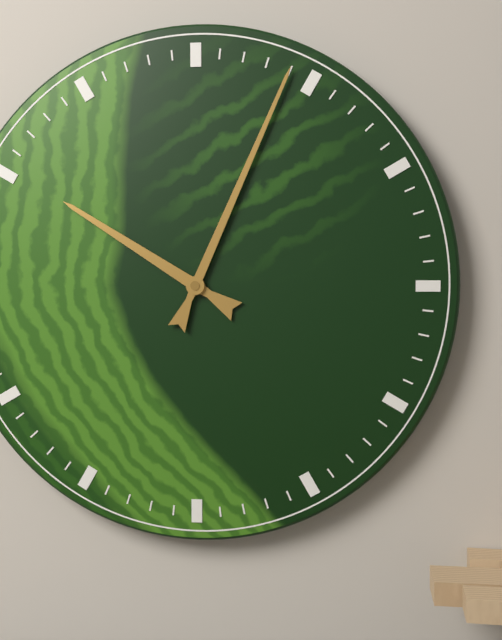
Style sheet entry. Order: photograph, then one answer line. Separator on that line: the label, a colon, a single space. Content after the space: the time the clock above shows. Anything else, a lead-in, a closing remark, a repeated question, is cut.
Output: 10:04
